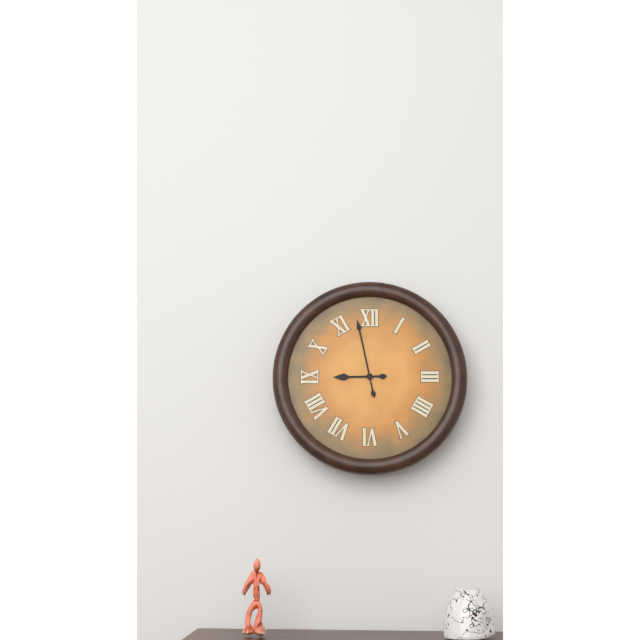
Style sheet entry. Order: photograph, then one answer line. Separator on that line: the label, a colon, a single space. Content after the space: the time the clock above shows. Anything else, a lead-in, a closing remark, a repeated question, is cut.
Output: 8:58
